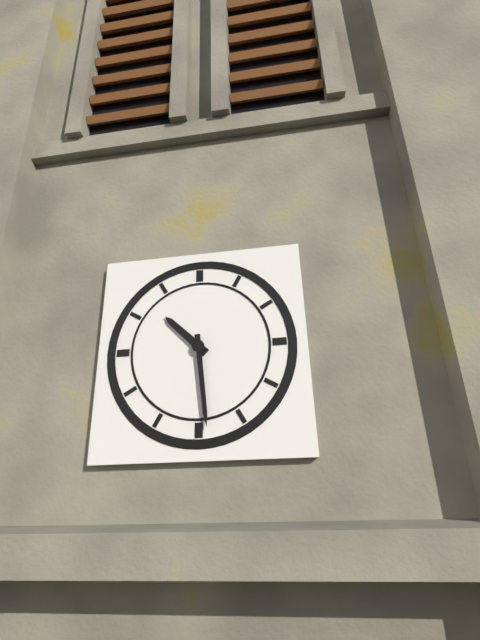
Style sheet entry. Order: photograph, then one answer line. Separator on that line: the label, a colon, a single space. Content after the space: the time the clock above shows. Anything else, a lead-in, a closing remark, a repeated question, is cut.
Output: 10:29
